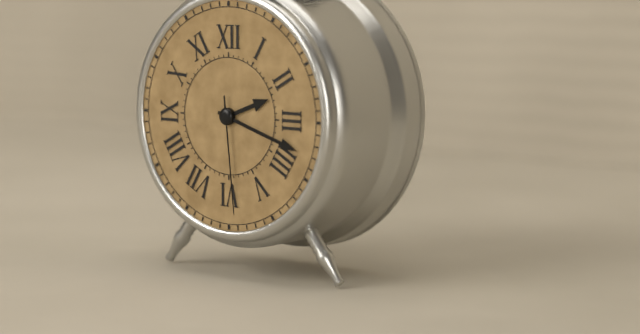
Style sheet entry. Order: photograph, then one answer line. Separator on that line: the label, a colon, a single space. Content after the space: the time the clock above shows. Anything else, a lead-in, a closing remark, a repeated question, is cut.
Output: 2:18:29
